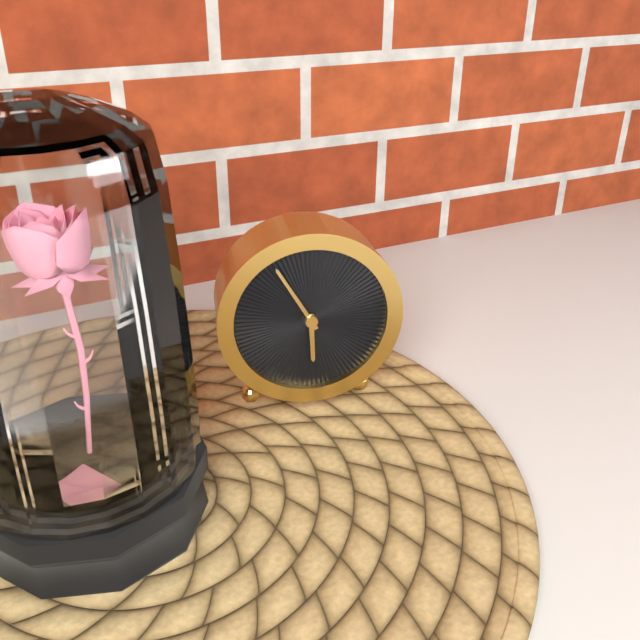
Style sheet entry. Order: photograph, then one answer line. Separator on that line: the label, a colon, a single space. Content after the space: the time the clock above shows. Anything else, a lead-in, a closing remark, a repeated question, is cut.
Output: 5:55
